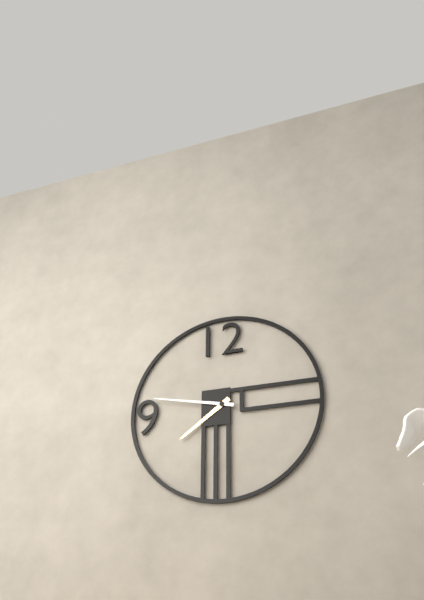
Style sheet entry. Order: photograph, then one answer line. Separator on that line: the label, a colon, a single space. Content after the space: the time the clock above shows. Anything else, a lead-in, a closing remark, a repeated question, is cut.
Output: 7:47
